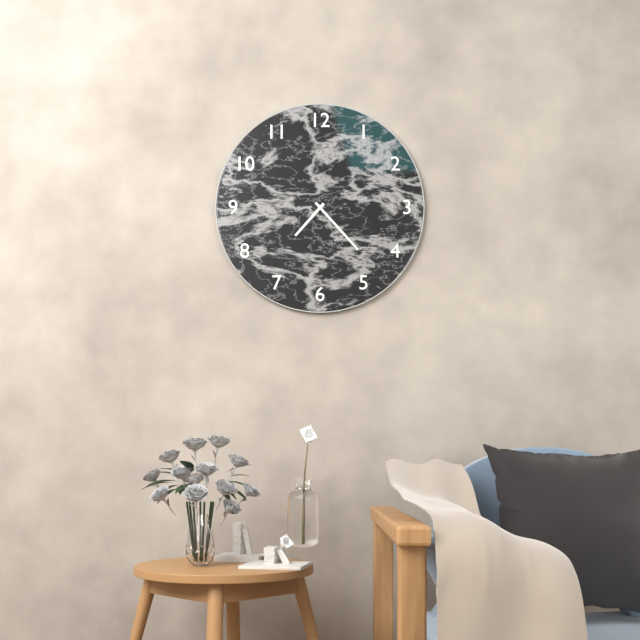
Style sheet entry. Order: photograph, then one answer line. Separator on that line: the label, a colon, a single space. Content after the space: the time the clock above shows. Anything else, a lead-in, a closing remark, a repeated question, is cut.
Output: 7:23
